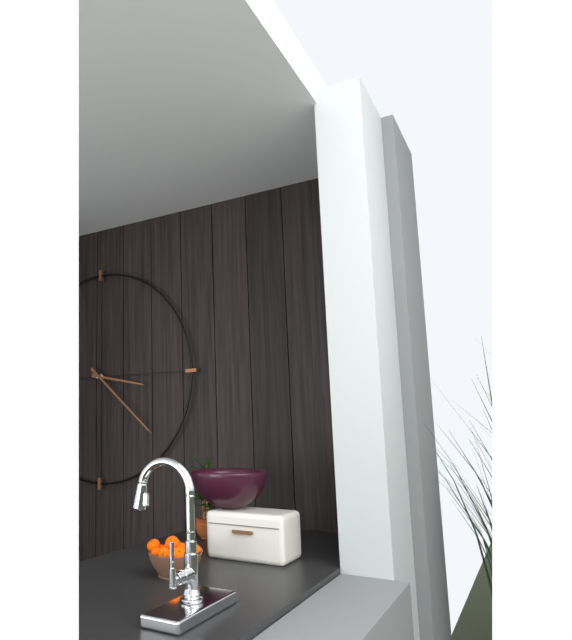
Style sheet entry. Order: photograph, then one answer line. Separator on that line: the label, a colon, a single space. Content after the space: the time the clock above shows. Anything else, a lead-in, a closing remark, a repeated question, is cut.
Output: 3:22
